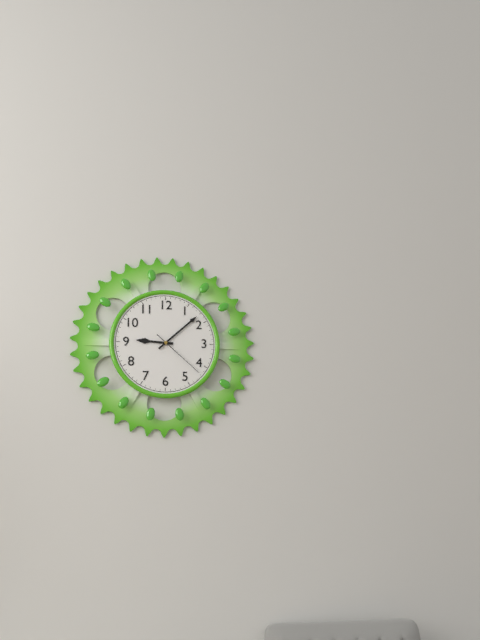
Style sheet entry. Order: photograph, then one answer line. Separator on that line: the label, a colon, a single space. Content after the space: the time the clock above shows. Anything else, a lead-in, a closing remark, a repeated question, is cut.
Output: 9:08:22
